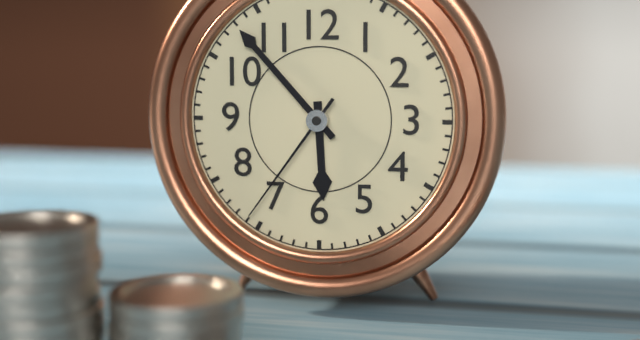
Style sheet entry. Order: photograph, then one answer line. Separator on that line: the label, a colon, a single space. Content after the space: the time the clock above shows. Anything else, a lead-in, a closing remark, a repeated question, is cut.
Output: 5:53:36
